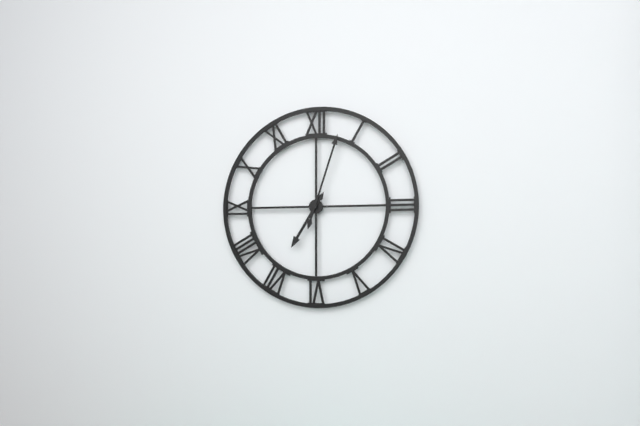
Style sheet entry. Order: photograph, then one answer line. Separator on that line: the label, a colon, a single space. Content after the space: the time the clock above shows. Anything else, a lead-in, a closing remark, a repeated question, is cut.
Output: 7:03
